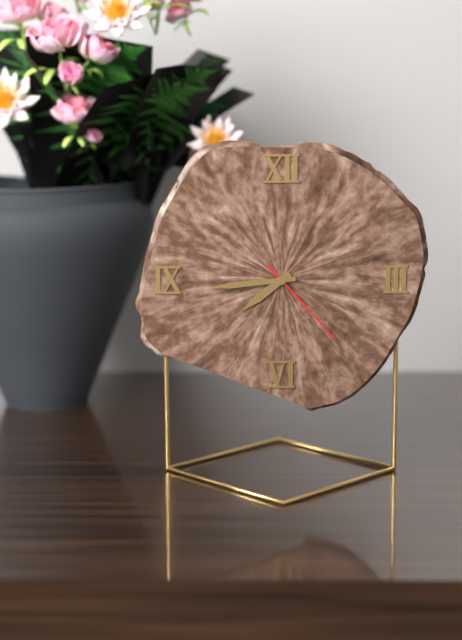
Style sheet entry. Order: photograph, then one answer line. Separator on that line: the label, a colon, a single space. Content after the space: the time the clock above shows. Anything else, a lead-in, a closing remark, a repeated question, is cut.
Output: 7:44:23
